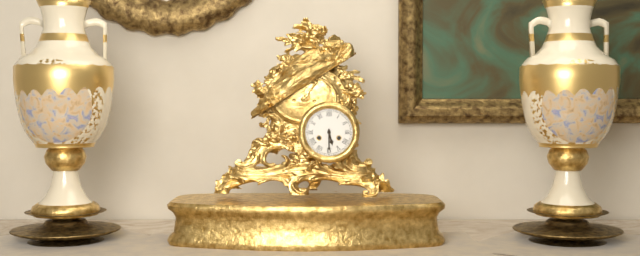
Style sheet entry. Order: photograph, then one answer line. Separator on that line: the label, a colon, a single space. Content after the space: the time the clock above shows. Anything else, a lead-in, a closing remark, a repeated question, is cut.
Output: 5:30
